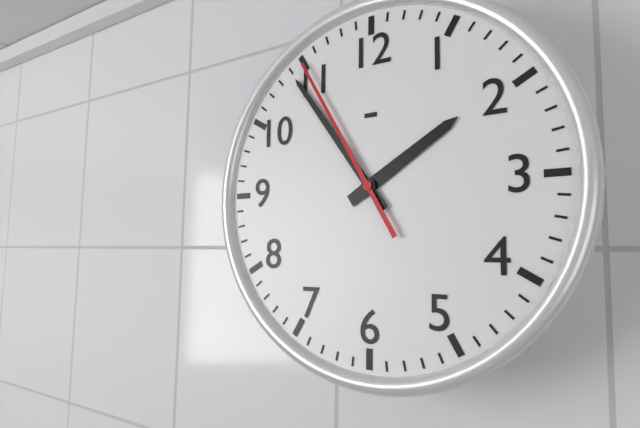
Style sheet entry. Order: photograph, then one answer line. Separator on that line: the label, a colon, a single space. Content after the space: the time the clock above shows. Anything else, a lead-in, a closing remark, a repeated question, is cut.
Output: 1:54:55
